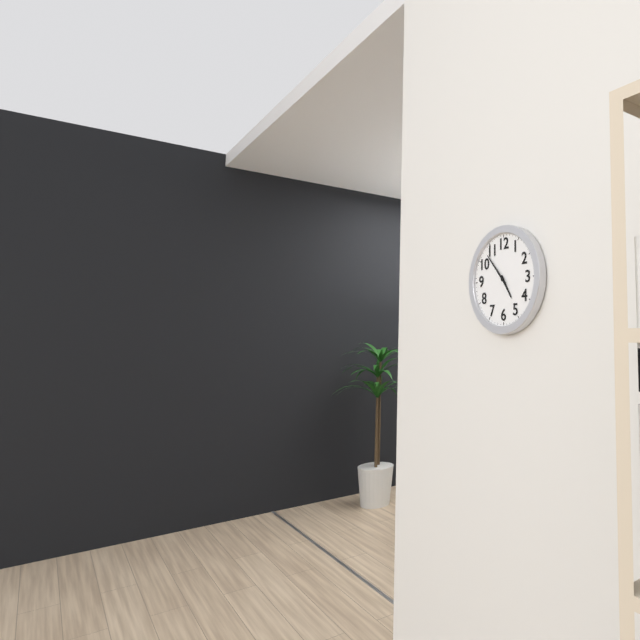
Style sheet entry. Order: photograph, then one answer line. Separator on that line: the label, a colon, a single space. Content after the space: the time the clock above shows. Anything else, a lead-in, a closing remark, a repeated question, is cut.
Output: 4:53
